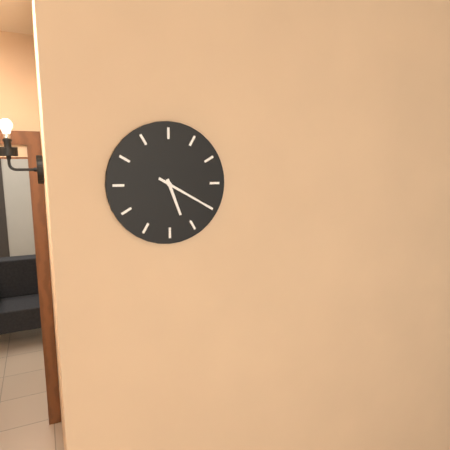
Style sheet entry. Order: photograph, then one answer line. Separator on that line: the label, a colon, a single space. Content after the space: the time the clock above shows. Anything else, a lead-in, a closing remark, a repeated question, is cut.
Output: 5:20
